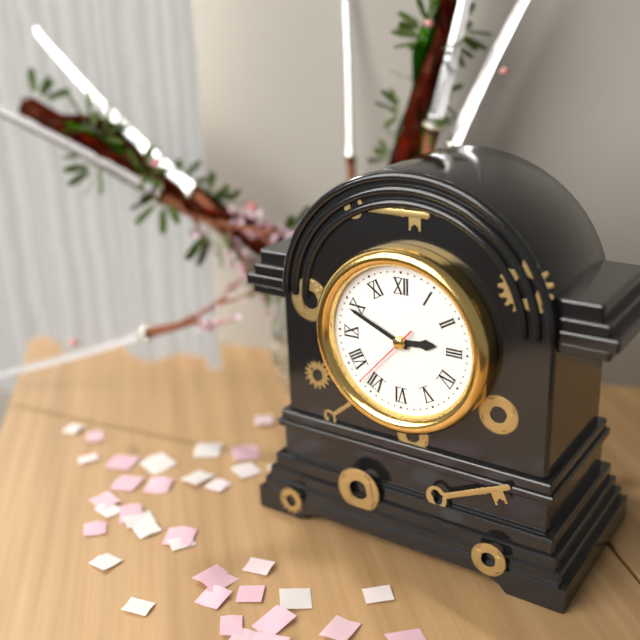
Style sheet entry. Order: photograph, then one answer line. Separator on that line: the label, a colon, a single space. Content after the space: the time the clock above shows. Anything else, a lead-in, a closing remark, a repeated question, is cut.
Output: 2:49:37
